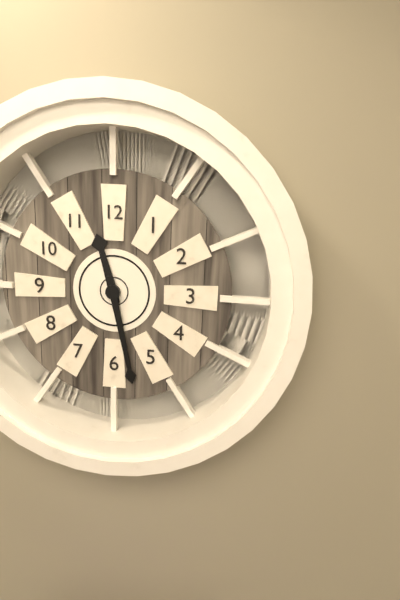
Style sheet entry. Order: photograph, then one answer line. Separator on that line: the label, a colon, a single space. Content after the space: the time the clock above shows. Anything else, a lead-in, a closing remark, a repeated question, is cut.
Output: 11:28
